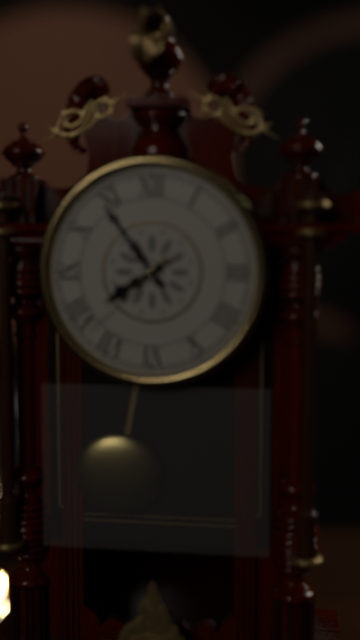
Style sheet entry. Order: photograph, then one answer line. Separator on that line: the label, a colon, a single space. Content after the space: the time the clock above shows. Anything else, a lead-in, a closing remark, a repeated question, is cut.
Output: 7:54:38
